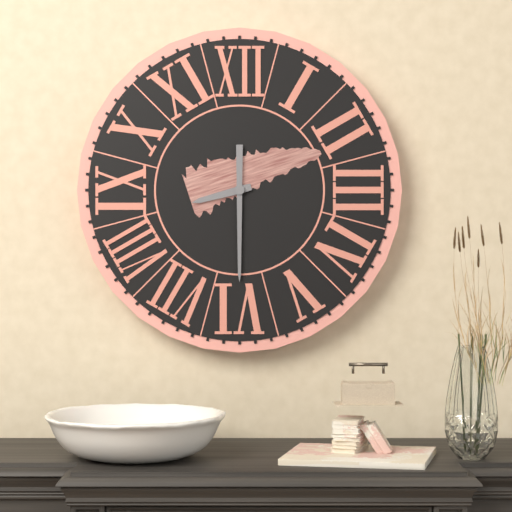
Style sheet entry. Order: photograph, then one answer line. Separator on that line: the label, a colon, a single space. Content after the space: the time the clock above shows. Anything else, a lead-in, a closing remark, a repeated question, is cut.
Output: 8:30
